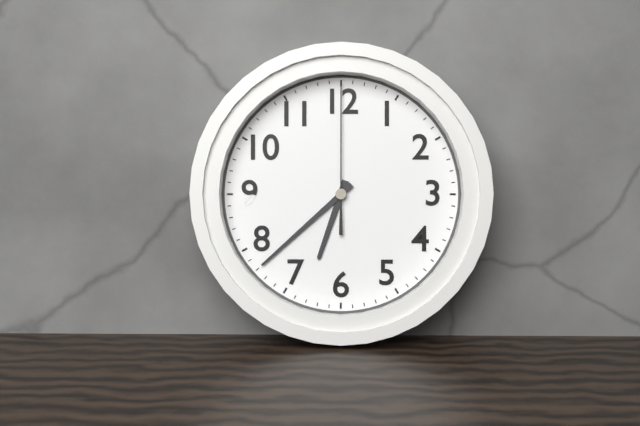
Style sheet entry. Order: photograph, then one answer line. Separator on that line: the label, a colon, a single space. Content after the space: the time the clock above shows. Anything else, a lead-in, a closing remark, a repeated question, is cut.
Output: 6:38:00
